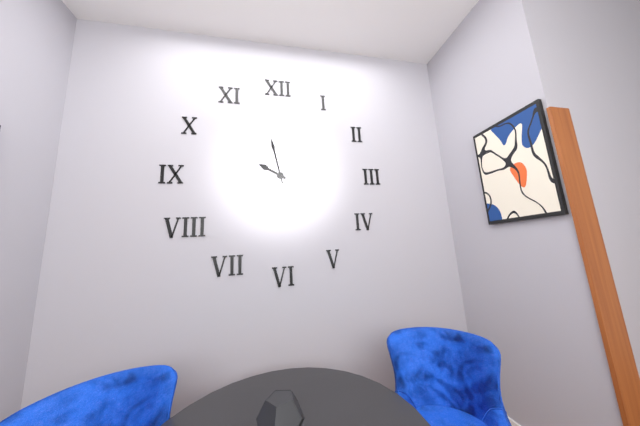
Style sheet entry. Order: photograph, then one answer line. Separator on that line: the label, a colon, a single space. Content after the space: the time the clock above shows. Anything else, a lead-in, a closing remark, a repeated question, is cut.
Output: 9:58
